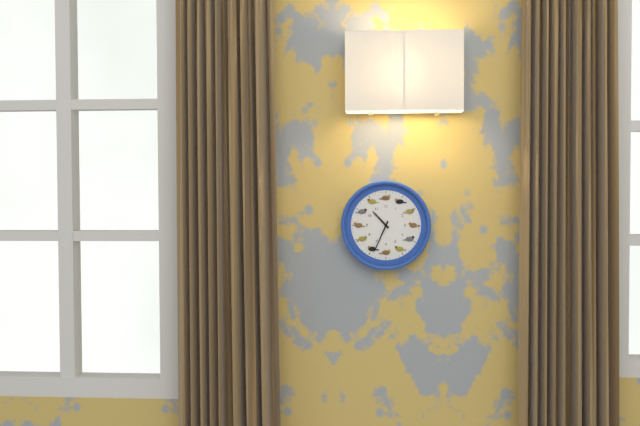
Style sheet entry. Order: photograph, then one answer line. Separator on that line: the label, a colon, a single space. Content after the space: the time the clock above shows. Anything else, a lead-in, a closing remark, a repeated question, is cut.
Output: 10:34
